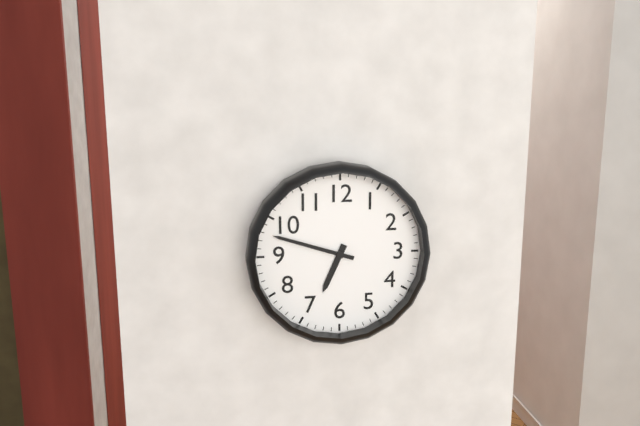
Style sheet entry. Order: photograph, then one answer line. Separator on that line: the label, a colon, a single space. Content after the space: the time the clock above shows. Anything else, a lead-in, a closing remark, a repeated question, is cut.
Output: 6:48
